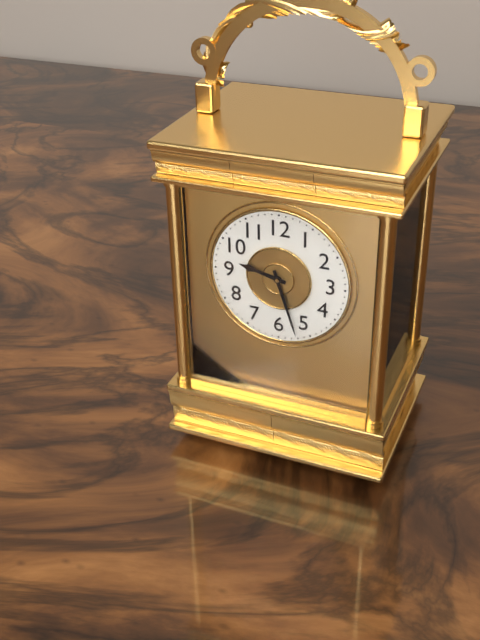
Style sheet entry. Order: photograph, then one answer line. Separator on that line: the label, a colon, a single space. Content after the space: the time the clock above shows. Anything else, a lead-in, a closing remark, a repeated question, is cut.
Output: 9:27
